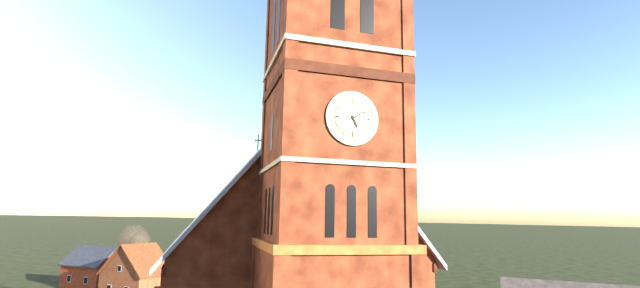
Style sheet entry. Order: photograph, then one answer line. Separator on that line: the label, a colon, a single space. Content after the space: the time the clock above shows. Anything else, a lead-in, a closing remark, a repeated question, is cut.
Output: 5:10
